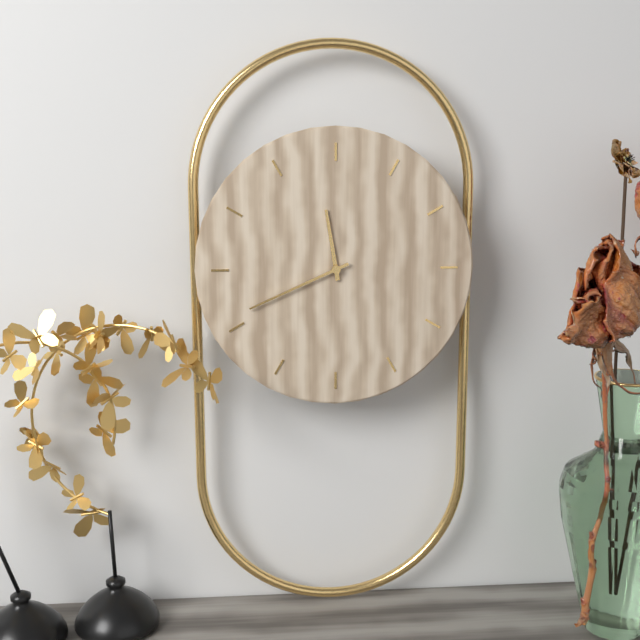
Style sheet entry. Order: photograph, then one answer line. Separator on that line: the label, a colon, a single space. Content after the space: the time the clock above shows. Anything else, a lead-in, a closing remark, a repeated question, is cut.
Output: 11:41
